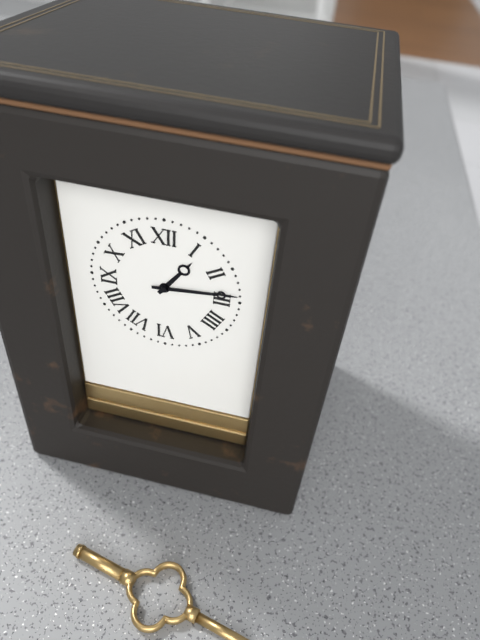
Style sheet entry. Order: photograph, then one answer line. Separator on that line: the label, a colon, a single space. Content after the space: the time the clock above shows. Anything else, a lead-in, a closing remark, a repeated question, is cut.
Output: 1:14
